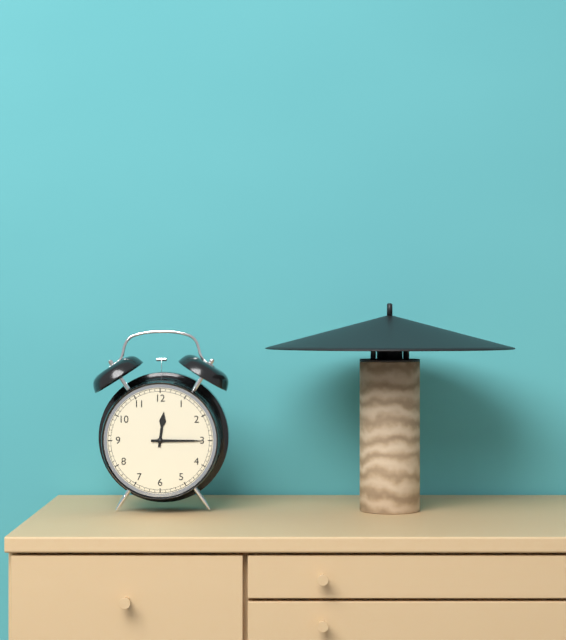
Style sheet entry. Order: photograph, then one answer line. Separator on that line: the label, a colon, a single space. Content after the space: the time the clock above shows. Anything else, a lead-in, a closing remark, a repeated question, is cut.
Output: 12:15
